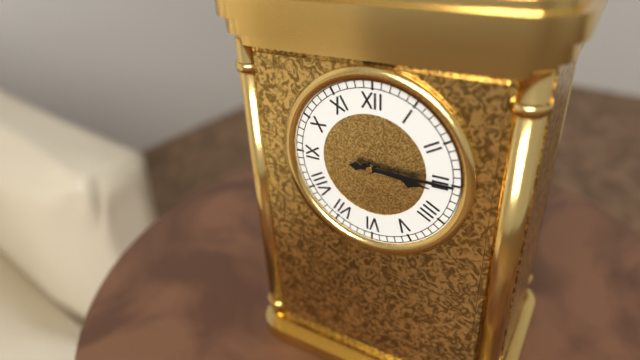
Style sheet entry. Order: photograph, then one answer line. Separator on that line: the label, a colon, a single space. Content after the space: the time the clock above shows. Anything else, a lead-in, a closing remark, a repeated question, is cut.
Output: 3:15
